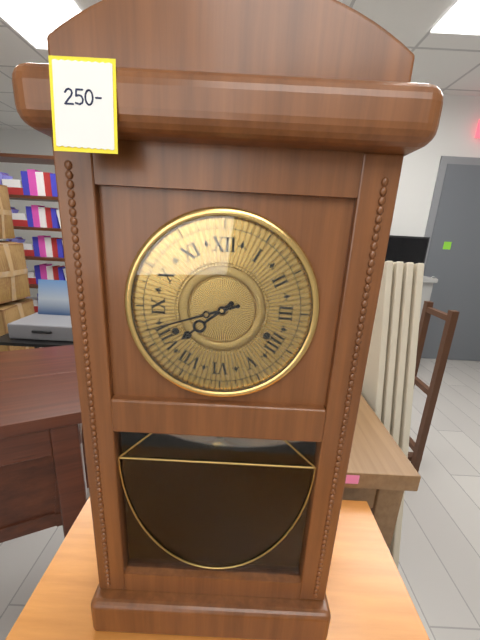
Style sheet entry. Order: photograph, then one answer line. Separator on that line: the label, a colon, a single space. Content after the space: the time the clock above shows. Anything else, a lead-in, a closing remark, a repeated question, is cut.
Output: 7:42
